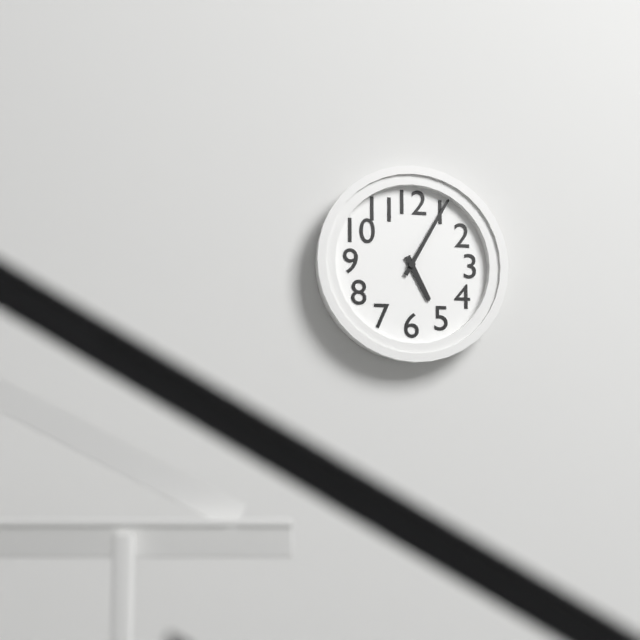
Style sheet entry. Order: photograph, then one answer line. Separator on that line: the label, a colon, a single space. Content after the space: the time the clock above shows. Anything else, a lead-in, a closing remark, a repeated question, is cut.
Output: 5:05
